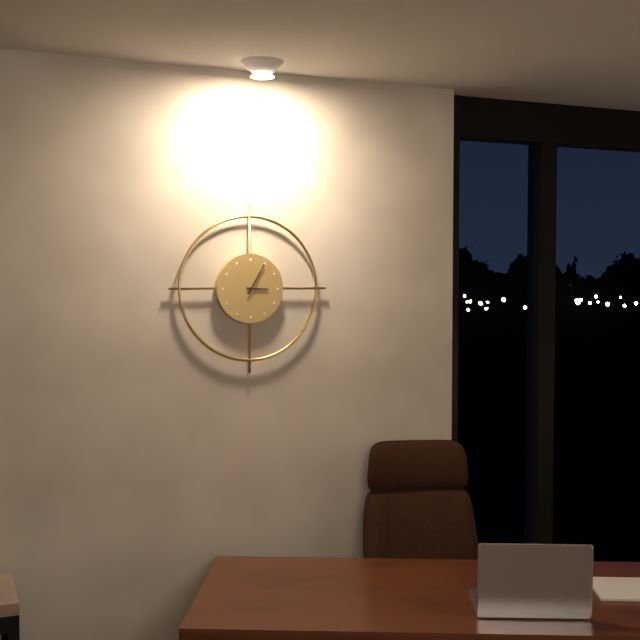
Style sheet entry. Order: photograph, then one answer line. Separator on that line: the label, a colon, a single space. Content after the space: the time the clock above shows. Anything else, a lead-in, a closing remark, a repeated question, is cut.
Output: 3:05
